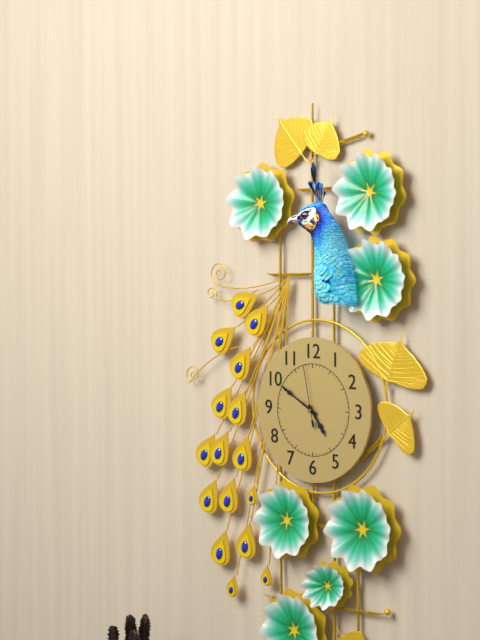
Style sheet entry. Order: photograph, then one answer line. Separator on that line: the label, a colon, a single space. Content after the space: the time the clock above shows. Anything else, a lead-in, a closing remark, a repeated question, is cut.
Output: 4:50:58
